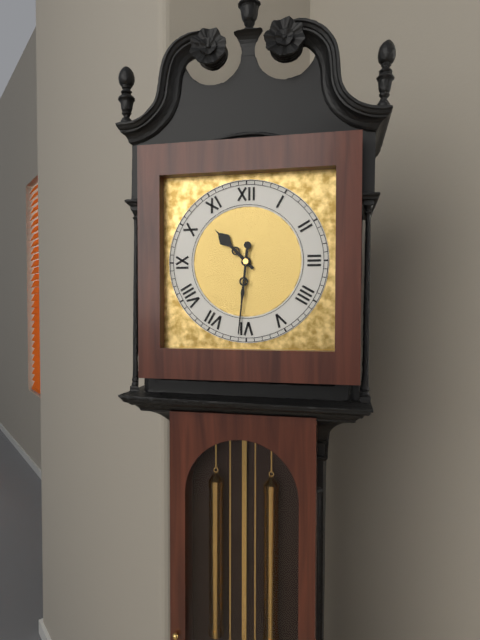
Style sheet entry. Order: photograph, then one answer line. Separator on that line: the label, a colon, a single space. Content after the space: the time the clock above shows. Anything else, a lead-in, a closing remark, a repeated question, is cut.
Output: 10:31
